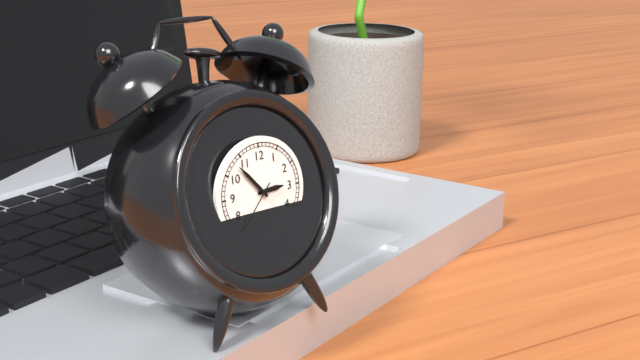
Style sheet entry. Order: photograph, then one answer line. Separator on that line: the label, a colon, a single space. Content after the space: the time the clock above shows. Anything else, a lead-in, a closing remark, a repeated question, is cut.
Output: 2:53:37
